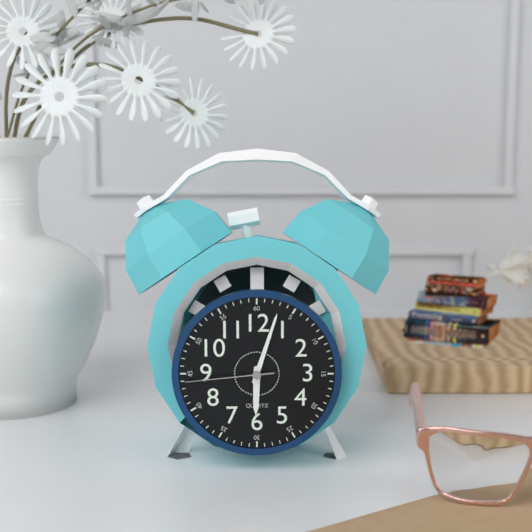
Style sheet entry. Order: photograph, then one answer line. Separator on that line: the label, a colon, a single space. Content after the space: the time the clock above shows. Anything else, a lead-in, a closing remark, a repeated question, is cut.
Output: 6:03:44
